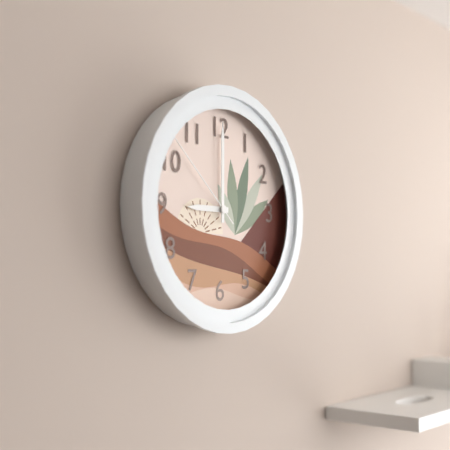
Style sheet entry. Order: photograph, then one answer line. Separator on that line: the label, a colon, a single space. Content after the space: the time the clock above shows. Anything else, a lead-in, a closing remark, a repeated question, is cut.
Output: 9:00:52
